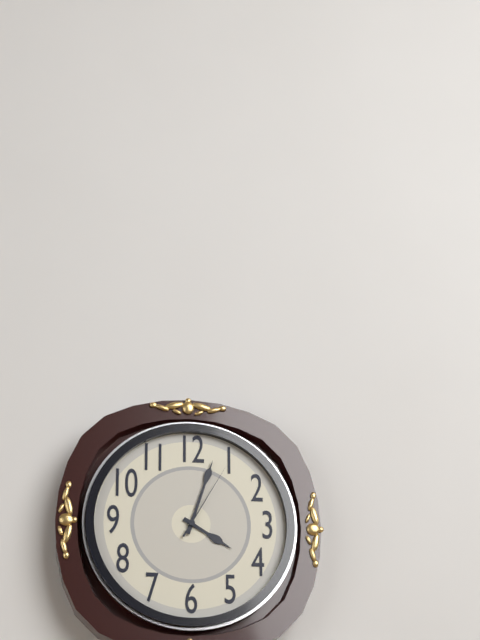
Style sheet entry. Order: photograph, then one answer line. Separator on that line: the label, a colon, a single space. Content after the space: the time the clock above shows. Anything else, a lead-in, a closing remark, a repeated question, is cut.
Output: 4:03:05
